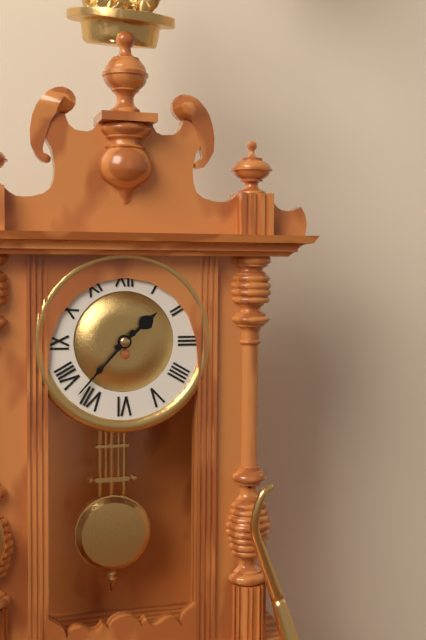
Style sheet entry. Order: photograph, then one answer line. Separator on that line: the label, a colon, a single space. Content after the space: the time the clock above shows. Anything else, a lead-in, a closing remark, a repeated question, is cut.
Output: 1:37
